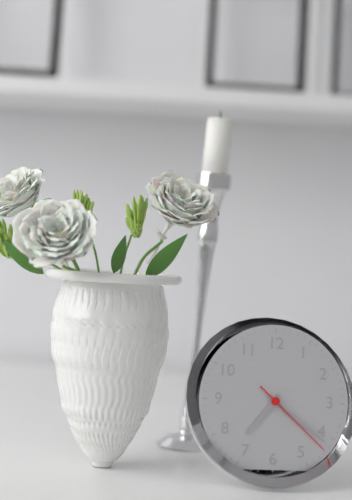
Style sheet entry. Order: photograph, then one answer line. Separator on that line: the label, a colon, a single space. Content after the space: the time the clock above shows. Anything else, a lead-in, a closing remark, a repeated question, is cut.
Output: 7:21:22
